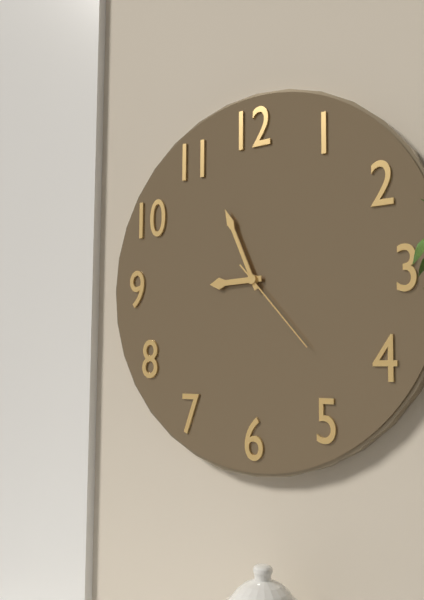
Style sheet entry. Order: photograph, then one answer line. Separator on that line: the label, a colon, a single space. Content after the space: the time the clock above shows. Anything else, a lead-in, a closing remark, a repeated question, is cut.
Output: 8:56:23
